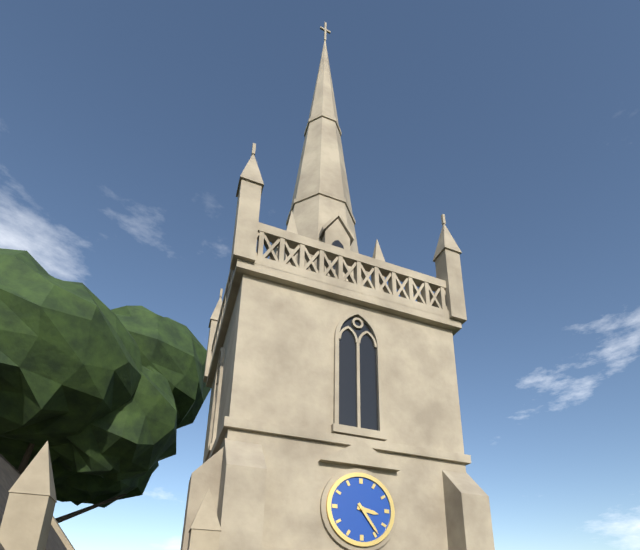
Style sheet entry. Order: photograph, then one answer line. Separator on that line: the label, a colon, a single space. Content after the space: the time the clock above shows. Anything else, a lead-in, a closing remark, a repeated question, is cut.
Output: 3:24
